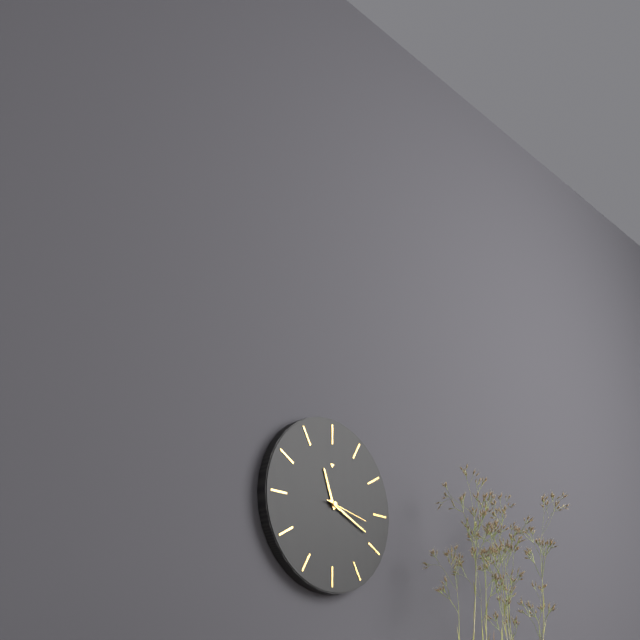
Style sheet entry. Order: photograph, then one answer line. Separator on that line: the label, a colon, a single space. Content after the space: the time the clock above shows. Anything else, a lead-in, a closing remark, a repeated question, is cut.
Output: 11:19
